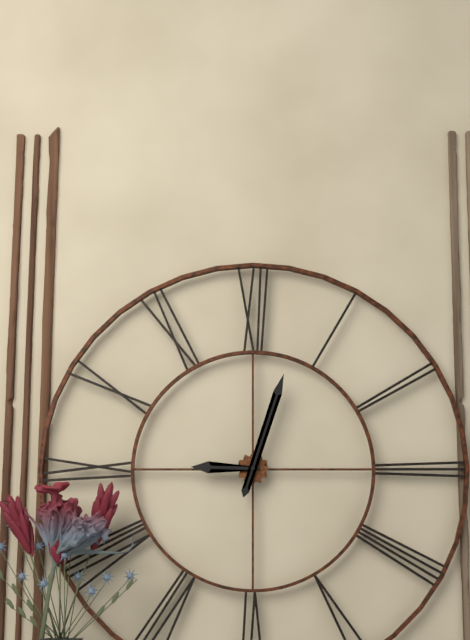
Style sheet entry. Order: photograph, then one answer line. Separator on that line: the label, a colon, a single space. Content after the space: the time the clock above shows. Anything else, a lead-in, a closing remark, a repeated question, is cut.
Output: 9:03
